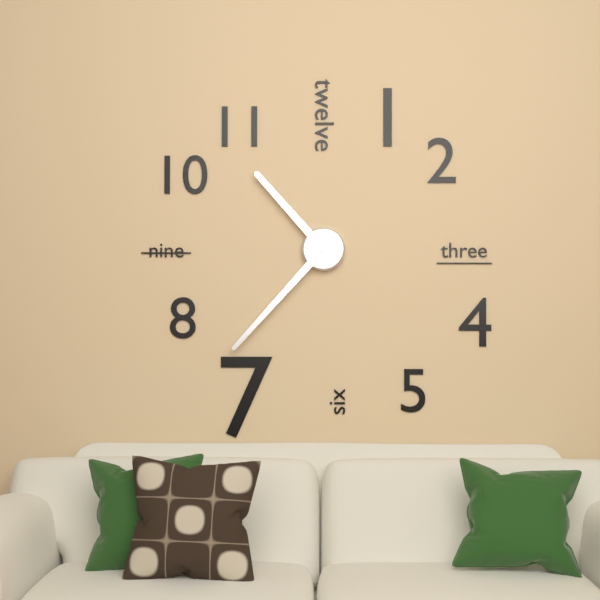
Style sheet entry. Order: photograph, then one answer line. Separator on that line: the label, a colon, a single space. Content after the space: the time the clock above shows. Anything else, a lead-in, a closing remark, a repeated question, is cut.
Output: 10:37
